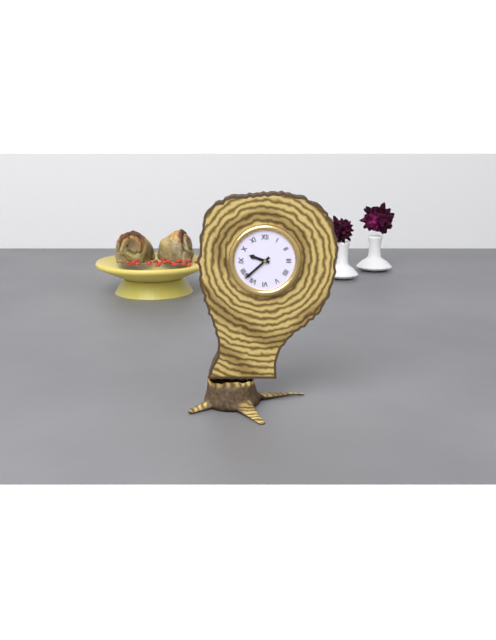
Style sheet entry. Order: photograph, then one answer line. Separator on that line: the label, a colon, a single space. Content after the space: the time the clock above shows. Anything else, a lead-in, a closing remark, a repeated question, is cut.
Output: 9:38
